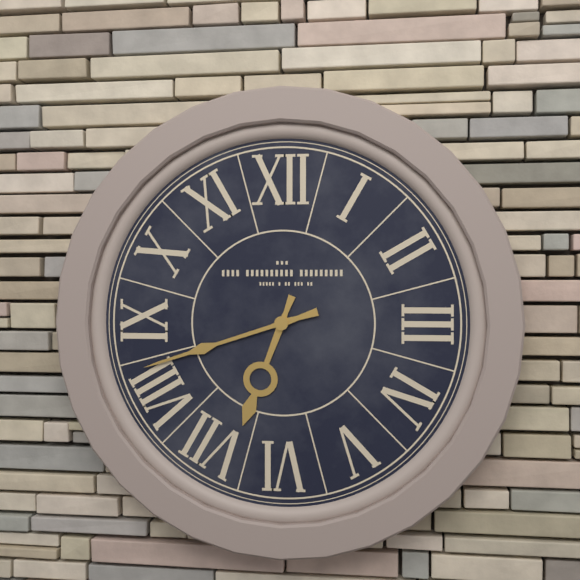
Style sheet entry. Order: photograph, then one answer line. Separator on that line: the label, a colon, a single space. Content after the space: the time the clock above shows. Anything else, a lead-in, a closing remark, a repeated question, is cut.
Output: 6:42
